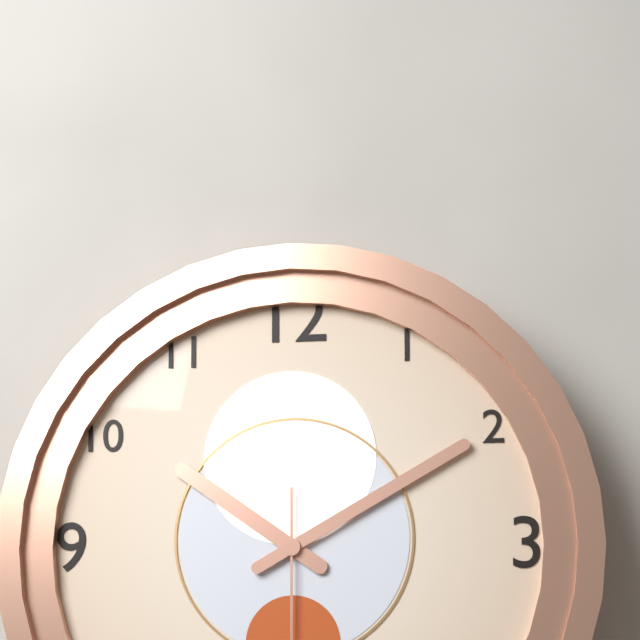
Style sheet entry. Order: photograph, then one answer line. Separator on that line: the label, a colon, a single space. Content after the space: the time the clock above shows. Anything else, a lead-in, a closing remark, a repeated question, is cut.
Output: 10:10
